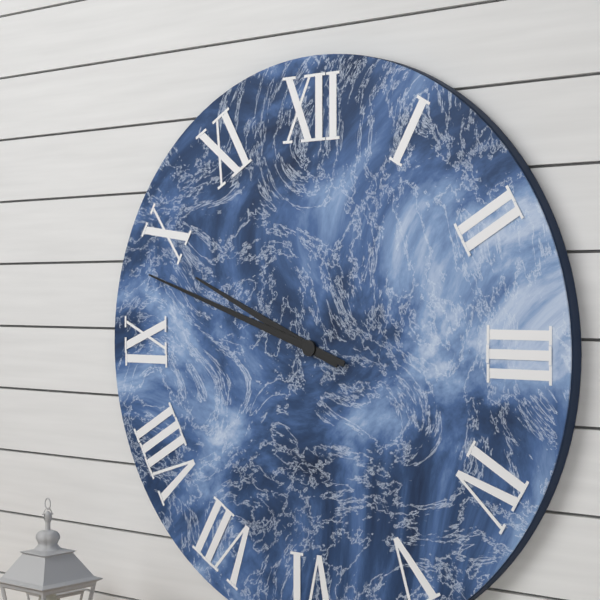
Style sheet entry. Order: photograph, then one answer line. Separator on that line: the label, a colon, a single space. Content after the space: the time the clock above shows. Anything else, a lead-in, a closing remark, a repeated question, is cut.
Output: 9:48
